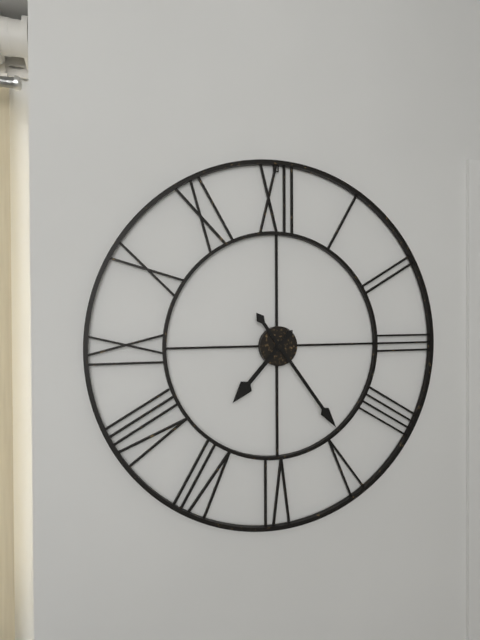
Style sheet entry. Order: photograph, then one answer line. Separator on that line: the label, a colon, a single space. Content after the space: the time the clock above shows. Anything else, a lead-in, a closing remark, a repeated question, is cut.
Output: 7:24
